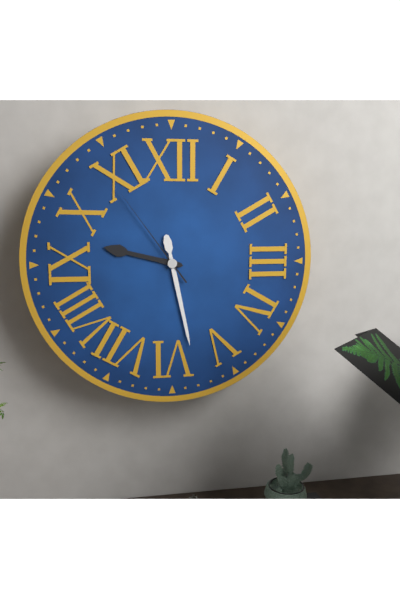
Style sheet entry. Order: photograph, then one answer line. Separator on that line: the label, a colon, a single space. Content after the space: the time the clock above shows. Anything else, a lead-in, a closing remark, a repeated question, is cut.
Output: 9:28:54
